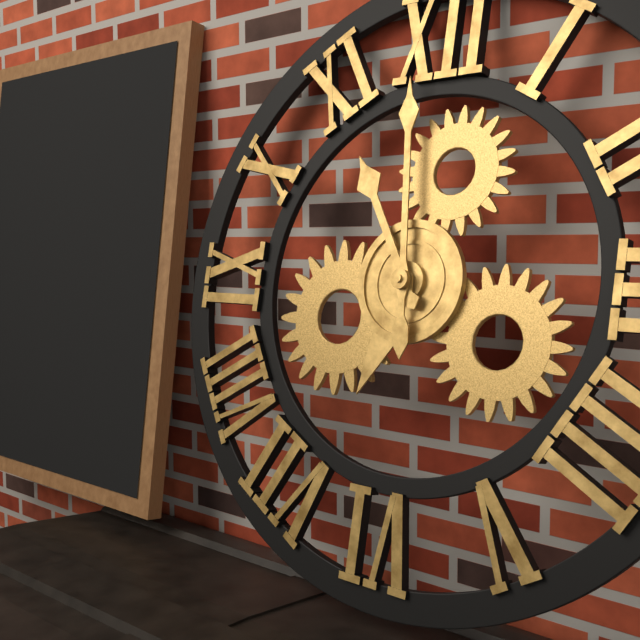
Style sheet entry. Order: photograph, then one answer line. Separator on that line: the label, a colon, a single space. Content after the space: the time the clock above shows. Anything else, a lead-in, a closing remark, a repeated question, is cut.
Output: 10:59
